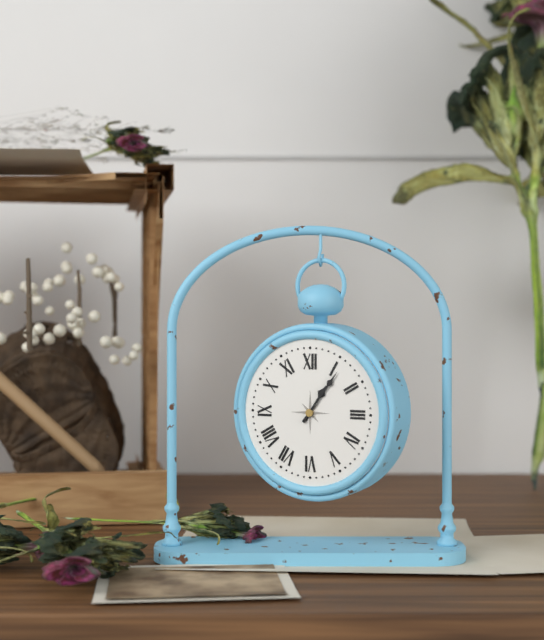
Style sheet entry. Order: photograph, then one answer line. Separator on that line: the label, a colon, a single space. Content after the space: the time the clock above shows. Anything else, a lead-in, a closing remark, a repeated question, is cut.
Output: 1:06
